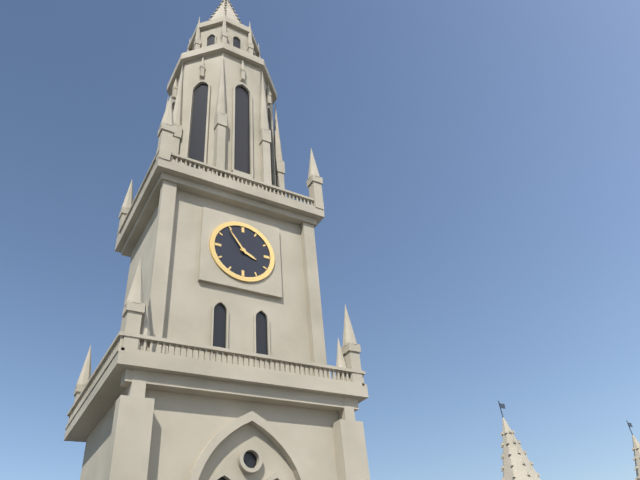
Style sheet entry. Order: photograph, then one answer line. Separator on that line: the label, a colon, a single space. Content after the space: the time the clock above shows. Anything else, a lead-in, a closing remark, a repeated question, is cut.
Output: 3:54
